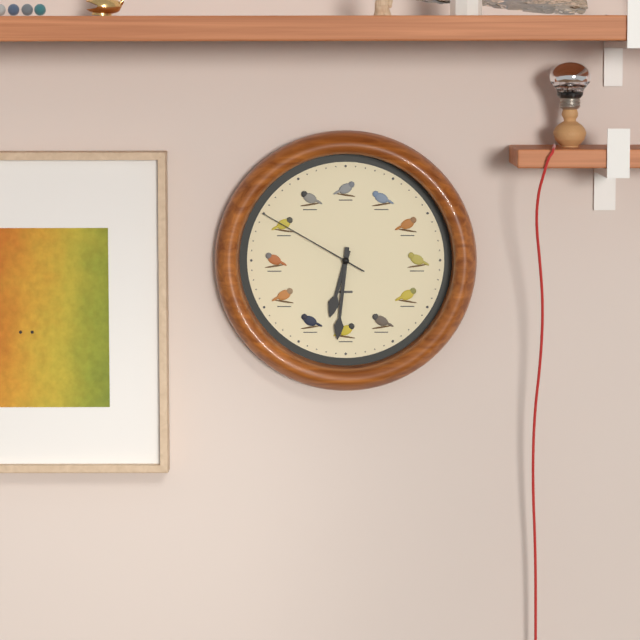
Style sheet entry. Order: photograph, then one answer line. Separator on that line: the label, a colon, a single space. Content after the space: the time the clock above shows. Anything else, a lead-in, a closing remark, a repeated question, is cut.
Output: 6:31:50
